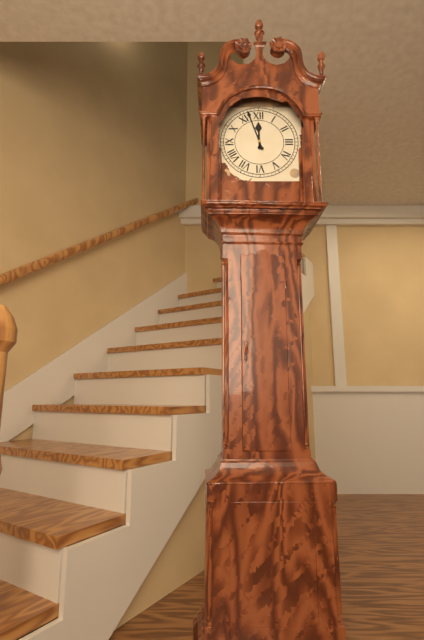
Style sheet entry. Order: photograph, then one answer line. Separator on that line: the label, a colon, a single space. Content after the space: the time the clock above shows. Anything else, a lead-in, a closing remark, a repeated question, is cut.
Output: 11:57
